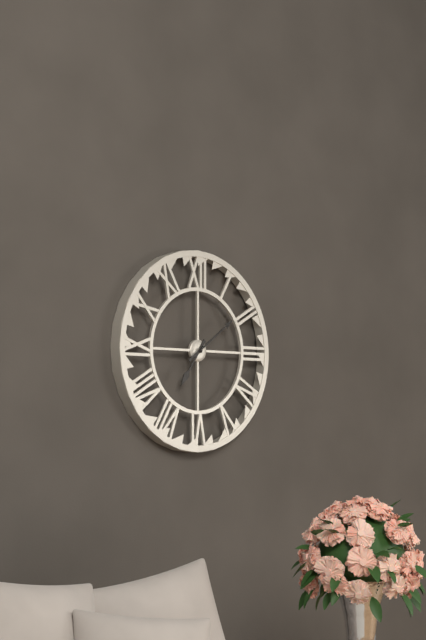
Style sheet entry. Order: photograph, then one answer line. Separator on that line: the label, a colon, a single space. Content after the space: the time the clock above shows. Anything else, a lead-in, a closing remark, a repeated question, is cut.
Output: 7:09
